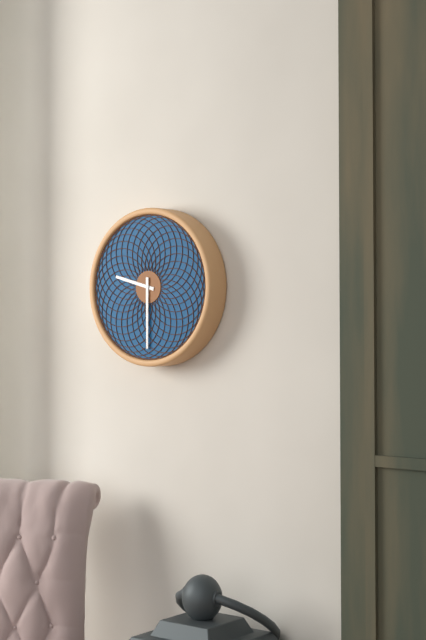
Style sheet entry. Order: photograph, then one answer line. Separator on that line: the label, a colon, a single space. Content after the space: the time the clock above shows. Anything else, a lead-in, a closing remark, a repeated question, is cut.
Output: 9:30
